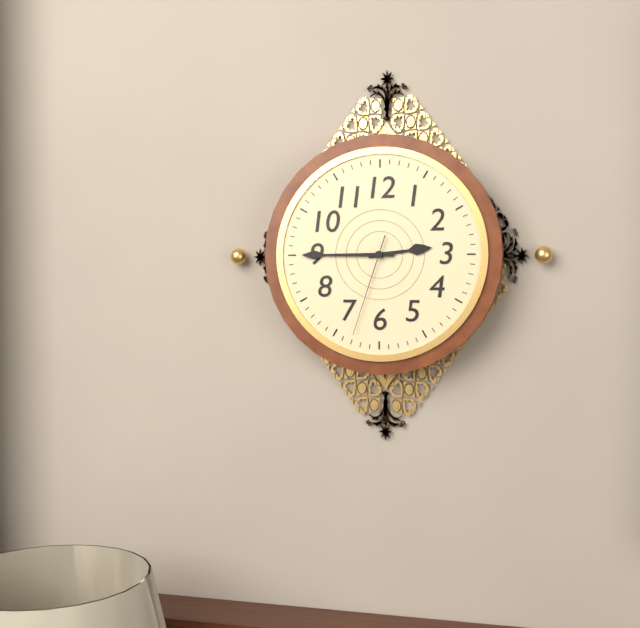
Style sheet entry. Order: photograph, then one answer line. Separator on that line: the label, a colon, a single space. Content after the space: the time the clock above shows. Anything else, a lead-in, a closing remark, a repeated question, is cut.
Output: 2:45:33
